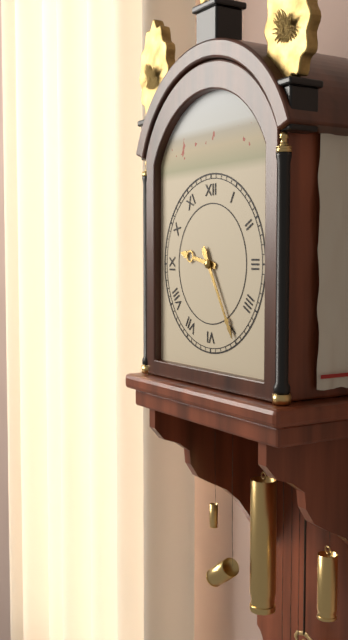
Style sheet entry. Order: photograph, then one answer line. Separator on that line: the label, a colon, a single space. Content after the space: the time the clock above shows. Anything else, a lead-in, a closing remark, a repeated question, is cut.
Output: 9:25
